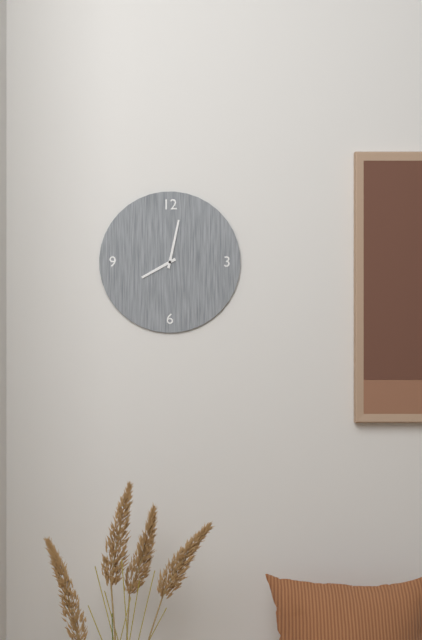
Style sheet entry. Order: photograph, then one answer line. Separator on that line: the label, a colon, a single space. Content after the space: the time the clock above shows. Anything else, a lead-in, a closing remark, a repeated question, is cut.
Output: 8:02
